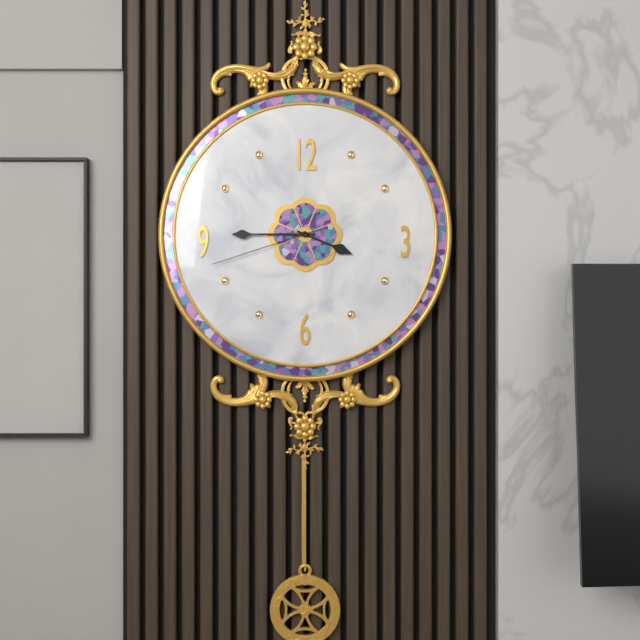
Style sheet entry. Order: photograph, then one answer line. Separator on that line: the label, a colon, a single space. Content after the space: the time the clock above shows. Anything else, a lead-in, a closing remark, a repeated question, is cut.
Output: 3:45:42
